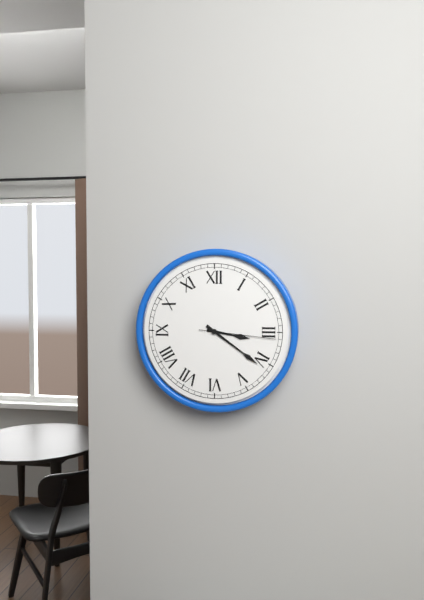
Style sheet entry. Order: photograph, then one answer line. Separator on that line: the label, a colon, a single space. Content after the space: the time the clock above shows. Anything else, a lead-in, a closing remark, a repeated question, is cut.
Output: 3:21:16
